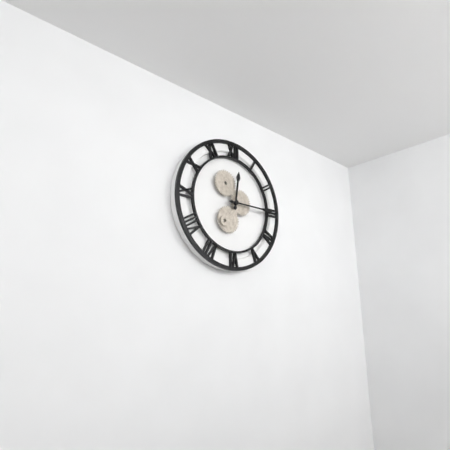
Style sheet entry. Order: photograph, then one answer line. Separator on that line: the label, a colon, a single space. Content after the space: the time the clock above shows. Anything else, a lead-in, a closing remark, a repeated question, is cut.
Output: 12:15
